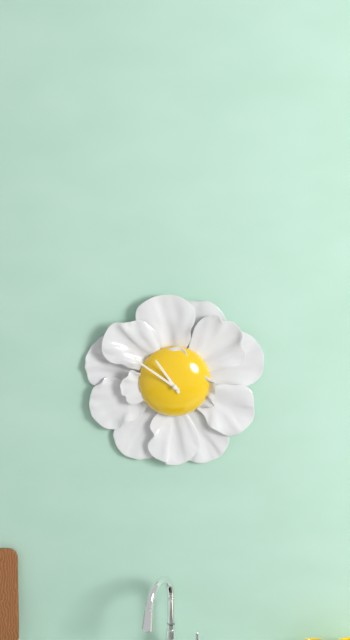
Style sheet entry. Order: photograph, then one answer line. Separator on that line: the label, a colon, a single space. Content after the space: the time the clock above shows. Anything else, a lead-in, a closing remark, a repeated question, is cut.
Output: 10:51
